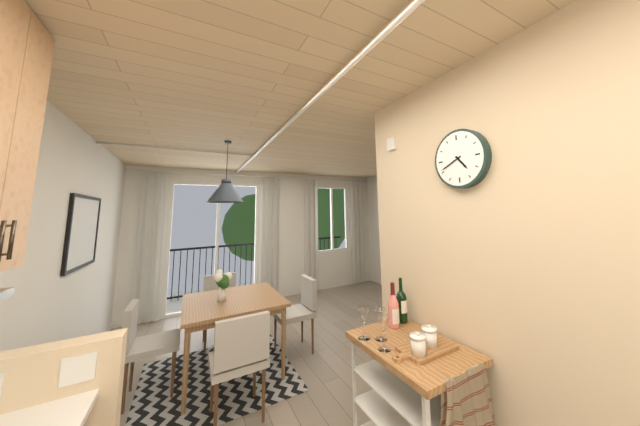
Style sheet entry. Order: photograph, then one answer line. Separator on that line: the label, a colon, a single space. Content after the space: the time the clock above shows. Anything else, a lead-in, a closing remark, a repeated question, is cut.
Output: 4:41
